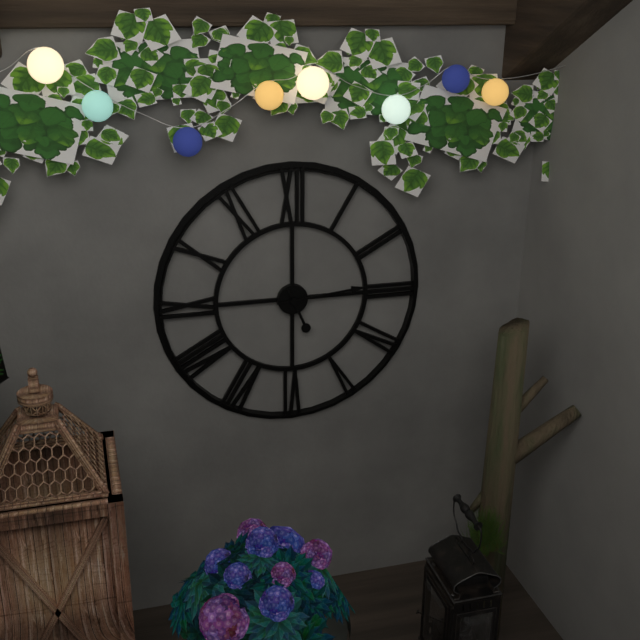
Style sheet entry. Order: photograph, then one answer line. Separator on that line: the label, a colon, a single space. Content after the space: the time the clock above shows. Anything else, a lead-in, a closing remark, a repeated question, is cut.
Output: 5:14
